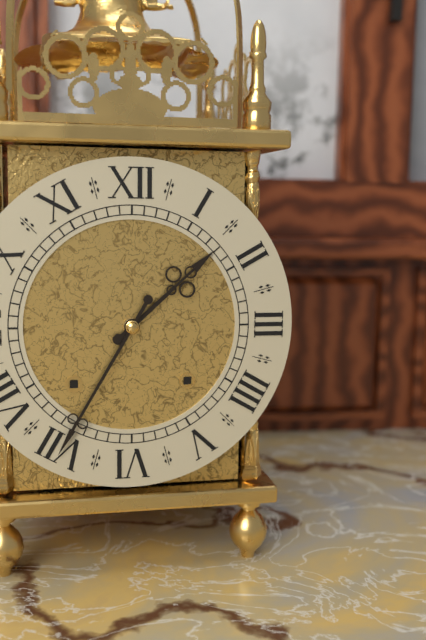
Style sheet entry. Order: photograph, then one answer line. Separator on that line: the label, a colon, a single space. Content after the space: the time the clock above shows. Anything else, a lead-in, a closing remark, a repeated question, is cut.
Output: 1:35
